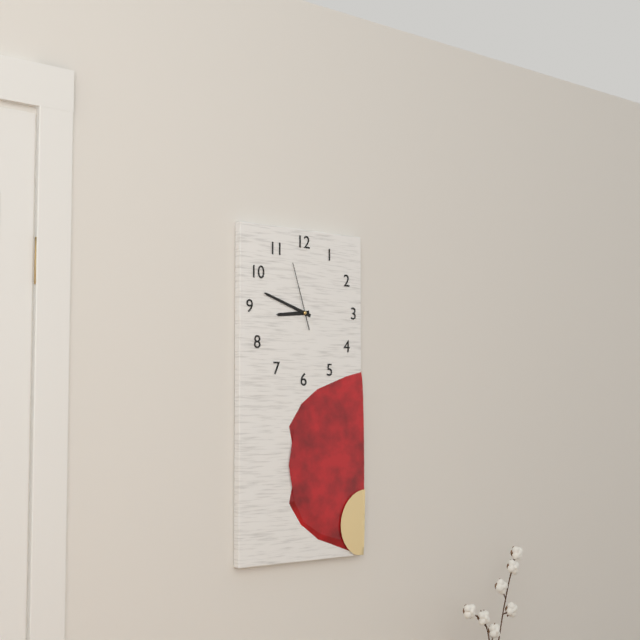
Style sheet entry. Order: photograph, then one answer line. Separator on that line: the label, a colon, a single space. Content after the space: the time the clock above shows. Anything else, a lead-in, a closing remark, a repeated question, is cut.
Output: 8:48:57
